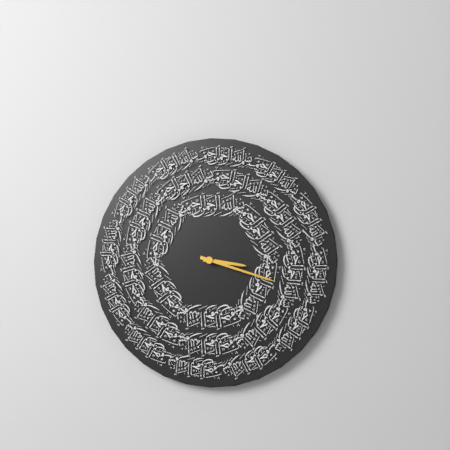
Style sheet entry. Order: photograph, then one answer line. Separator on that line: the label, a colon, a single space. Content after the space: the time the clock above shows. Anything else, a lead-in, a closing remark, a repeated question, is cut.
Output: 3:18
